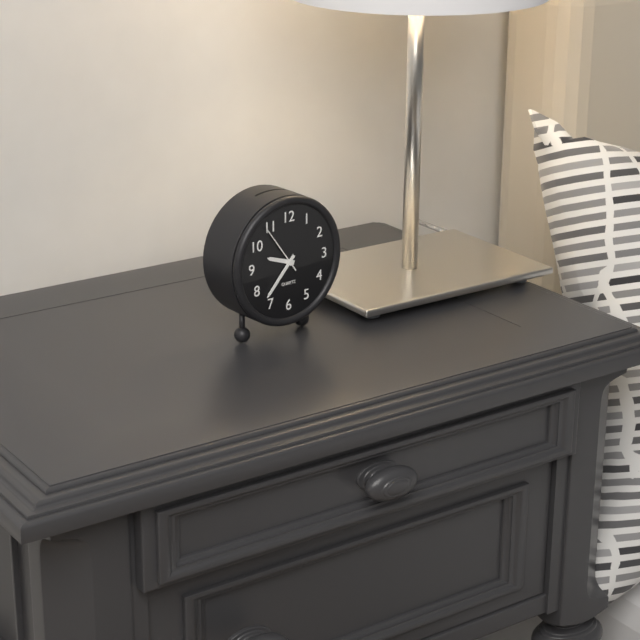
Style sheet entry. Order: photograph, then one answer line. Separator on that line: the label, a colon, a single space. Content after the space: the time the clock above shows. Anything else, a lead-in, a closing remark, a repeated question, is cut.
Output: 9:37:54
